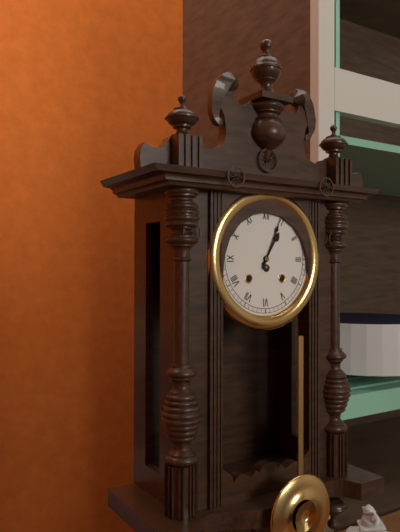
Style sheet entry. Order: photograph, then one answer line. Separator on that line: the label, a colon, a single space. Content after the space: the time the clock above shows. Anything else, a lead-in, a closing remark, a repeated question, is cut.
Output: 1:04
